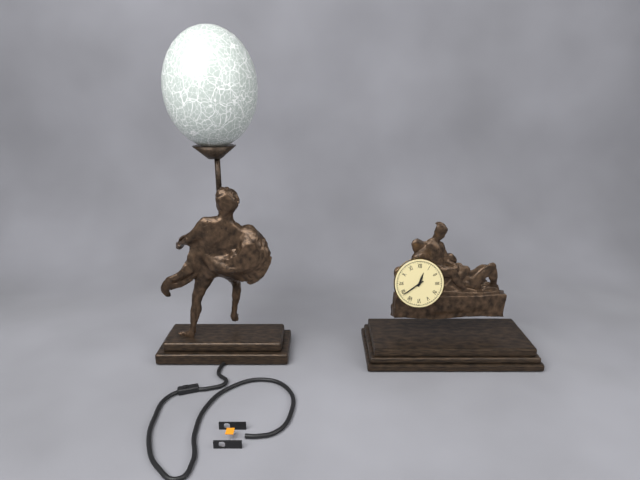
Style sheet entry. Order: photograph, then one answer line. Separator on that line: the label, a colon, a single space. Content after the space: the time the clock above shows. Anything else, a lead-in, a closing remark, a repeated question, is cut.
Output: 12:39
